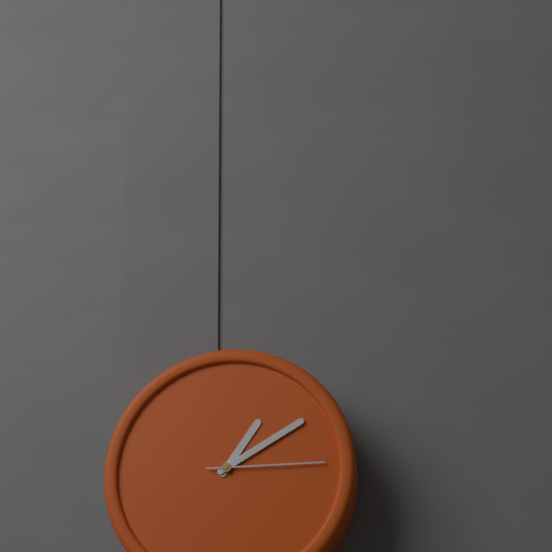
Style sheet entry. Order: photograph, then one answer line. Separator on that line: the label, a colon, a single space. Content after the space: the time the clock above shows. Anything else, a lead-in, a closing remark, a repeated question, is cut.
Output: 1:10:15
